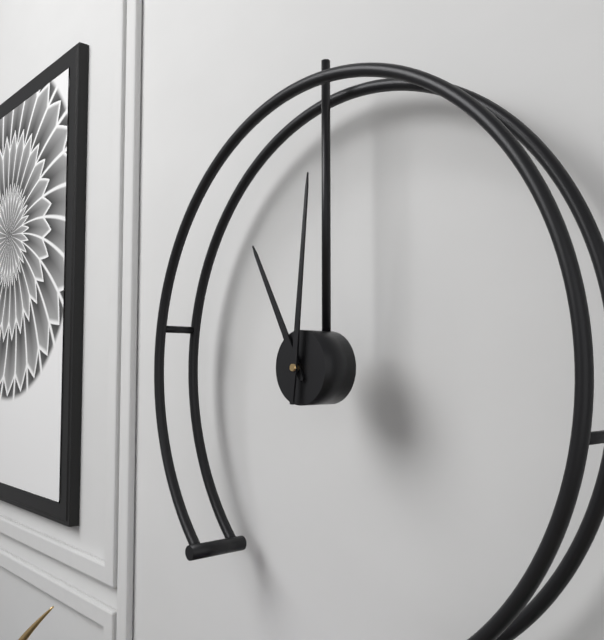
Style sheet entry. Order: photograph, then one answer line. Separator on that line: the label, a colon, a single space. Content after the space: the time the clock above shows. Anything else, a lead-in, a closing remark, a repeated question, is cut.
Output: 11:01
